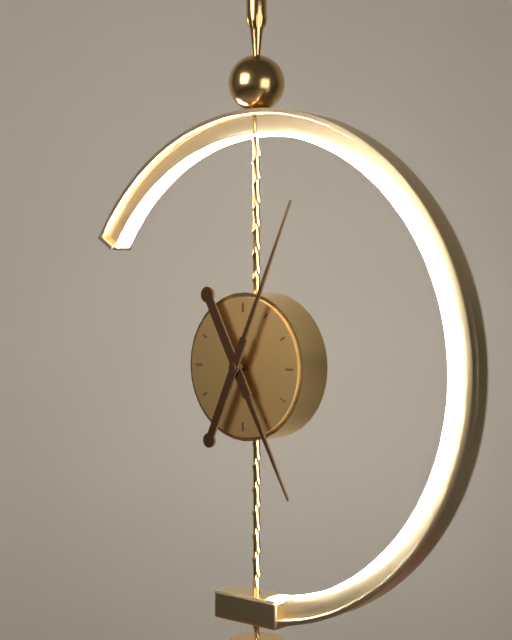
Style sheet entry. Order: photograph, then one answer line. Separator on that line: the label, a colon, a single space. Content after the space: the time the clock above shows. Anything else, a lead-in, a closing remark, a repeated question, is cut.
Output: 5:04
